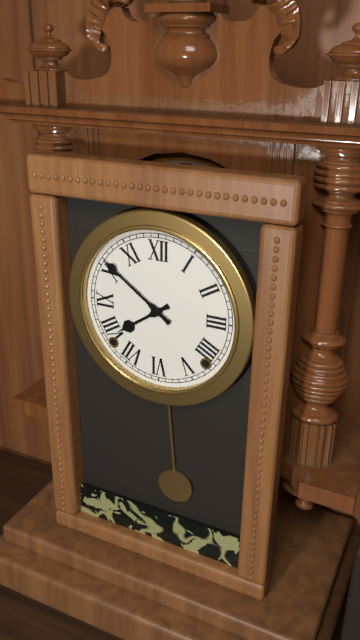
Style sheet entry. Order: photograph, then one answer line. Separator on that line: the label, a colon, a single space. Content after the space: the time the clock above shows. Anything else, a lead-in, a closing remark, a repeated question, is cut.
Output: 7:51
